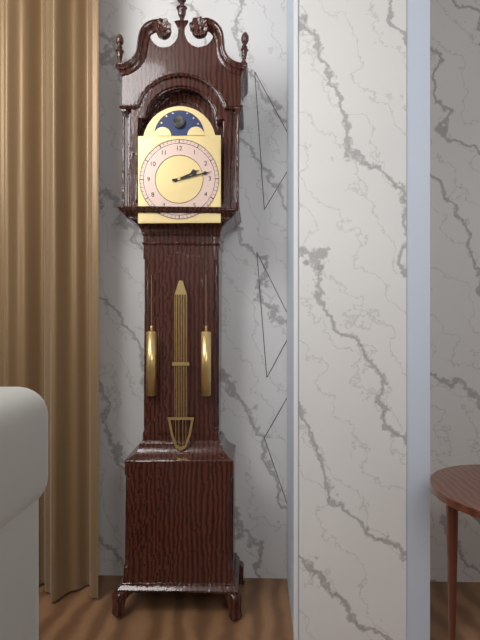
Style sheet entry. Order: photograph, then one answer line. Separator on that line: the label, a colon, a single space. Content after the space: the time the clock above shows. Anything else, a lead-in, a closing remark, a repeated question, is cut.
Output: 2:13
